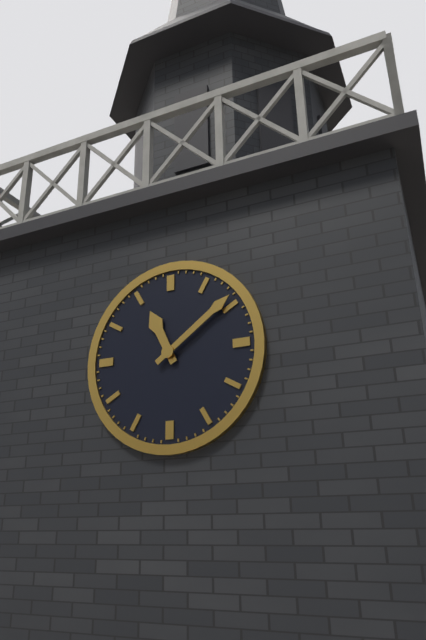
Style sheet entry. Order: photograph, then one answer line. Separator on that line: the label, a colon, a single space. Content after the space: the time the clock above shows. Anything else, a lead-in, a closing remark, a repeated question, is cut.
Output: 11:09
